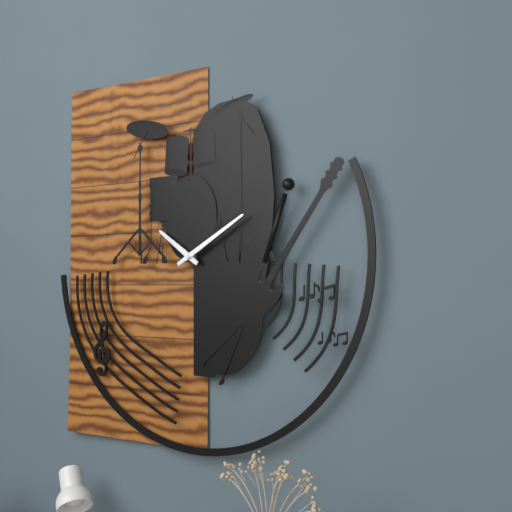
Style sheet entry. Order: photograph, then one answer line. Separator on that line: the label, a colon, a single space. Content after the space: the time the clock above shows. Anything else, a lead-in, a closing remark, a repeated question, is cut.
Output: 10:10
